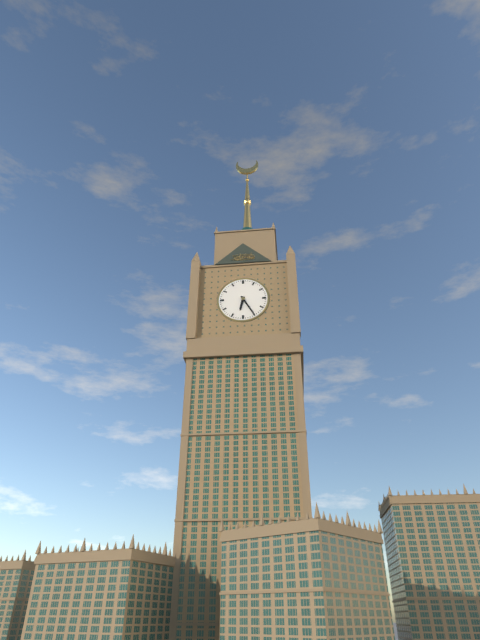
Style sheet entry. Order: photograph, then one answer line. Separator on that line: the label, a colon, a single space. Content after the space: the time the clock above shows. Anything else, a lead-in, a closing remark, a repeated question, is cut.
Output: 6:25
